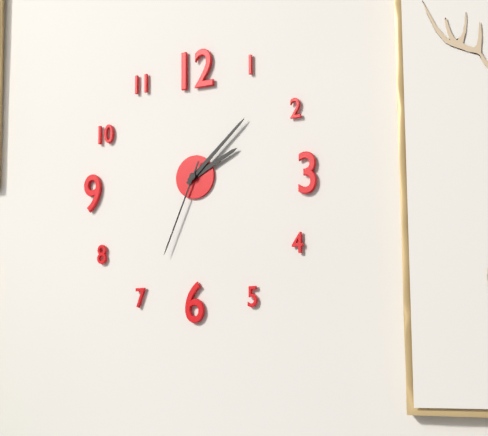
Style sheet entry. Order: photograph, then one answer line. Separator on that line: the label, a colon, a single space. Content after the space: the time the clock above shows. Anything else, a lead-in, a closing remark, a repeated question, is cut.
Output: 2:08:34
